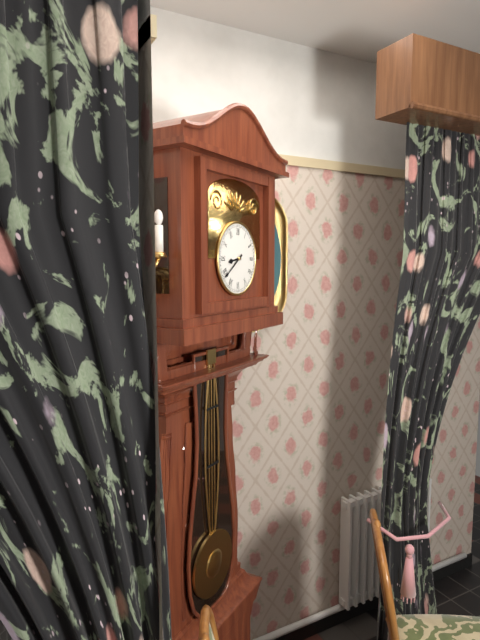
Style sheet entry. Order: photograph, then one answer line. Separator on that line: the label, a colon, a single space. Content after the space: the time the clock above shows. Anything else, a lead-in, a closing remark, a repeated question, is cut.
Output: 8:39
